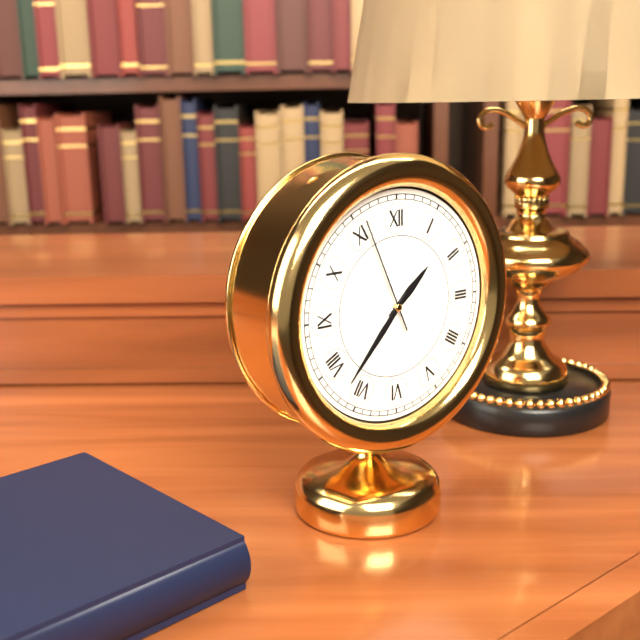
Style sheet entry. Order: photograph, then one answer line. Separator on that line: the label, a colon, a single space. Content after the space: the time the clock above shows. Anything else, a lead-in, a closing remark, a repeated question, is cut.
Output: 1:37:56
